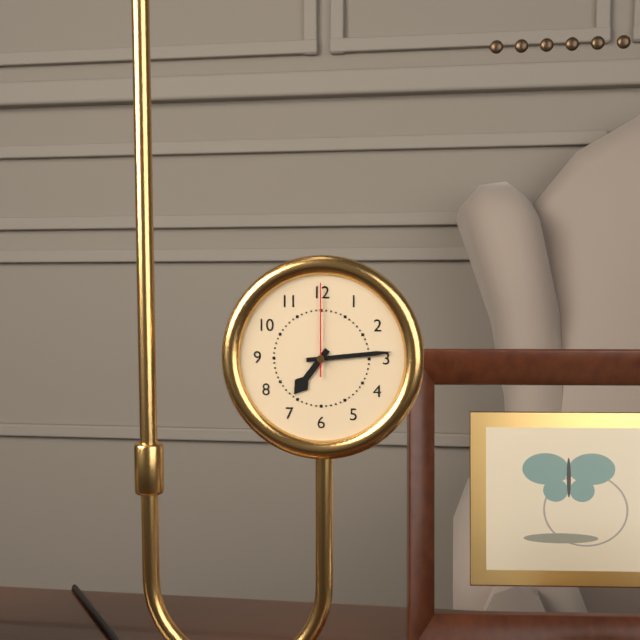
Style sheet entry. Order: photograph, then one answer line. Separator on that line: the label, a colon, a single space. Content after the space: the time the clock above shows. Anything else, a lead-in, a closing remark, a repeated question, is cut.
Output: 7:14:00
